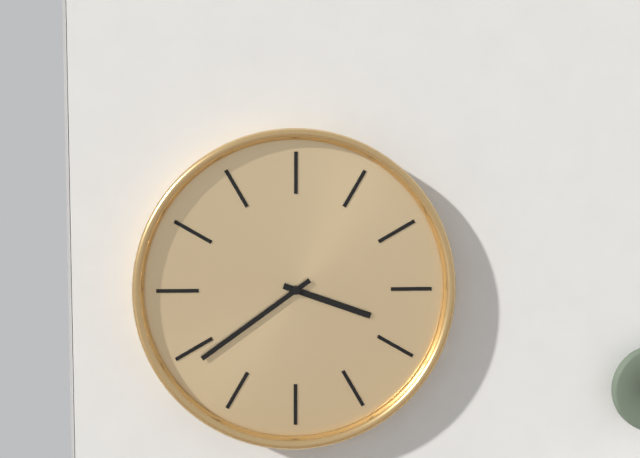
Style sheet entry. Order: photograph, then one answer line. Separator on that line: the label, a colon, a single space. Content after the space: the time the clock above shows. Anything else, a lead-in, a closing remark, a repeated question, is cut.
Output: 3:39
